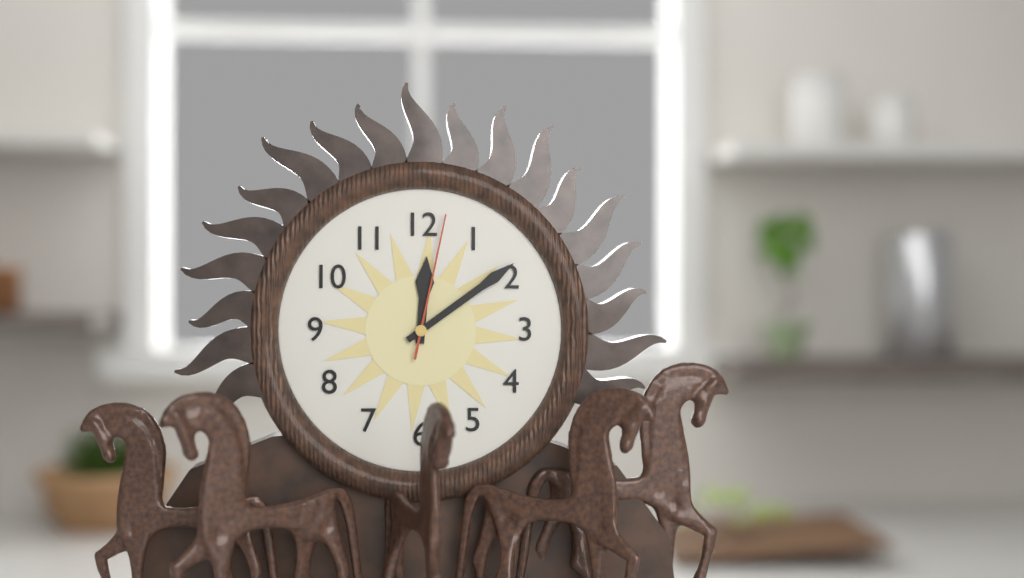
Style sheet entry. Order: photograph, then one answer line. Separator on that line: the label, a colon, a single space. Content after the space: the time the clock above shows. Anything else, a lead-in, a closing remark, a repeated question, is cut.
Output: 12:09:02
